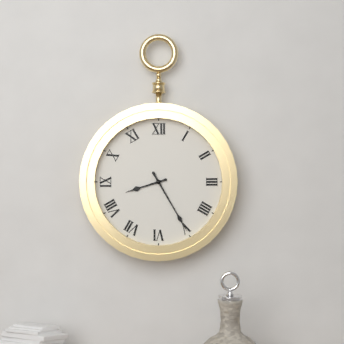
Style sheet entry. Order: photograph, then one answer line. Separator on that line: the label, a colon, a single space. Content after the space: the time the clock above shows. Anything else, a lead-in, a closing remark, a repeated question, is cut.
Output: 8:25
